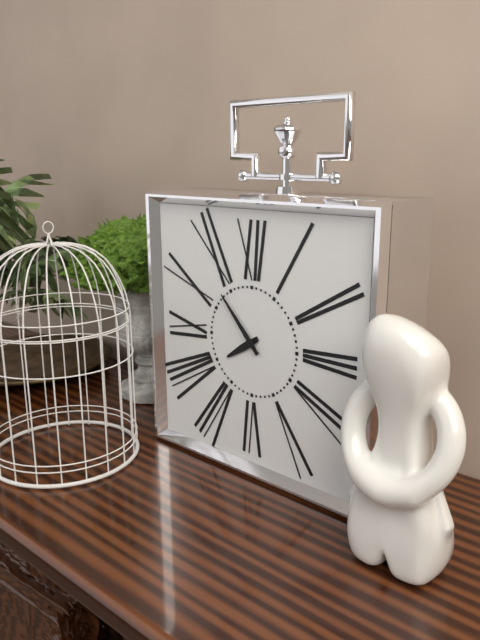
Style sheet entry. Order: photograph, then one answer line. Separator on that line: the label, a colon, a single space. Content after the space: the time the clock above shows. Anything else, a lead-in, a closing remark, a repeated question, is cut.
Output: 7:53
